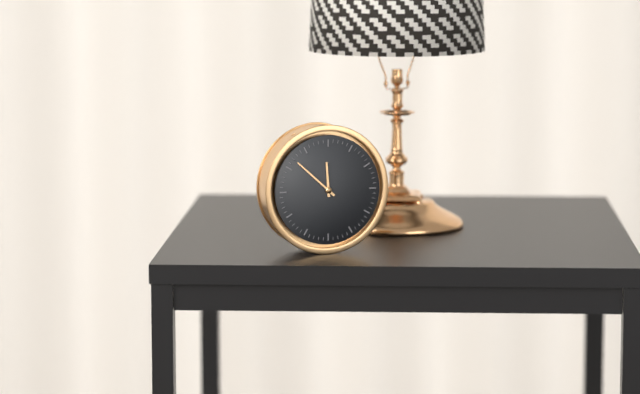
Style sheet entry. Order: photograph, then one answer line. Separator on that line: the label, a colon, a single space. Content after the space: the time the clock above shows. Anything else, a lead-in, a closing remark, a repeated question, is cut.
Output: 11:52
